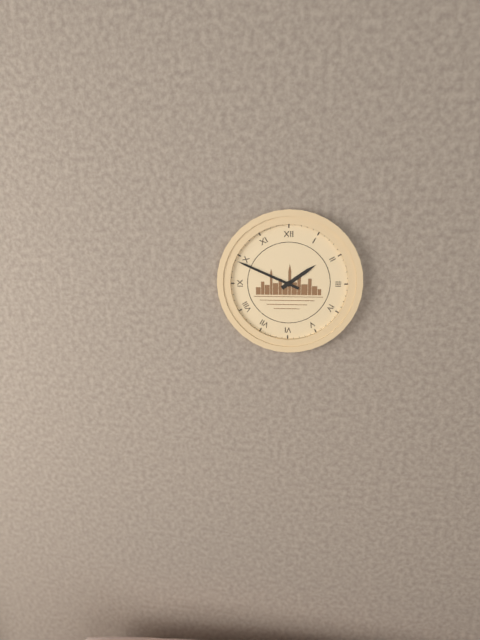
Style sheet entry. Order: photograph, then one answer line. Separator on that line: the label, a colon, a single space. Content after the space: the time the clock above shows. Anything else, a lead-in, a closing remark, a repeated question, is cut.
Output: 1:49
